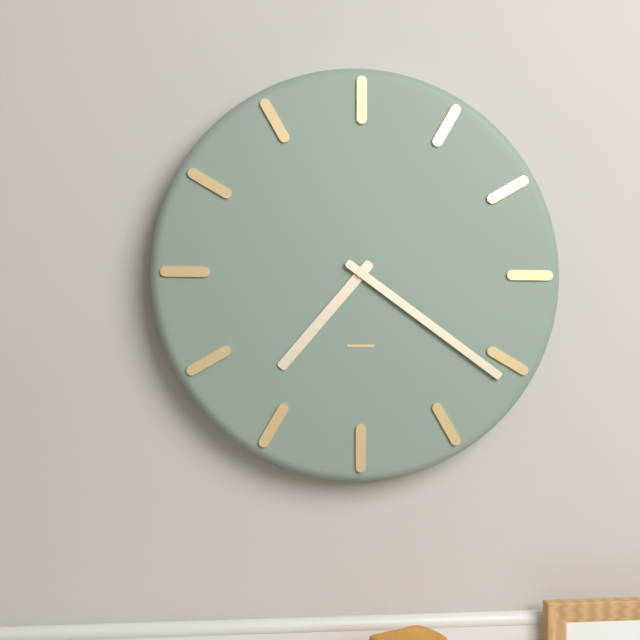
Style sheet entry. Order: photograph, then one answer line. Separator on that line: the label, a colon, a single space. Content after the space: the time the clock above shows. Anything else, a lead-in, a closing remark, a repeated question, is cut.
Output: 7:21
